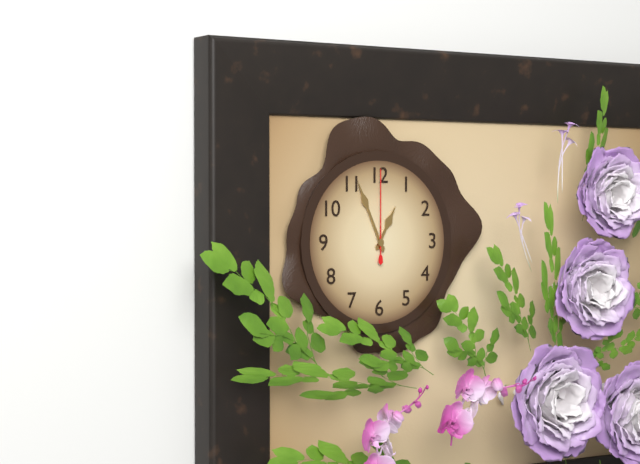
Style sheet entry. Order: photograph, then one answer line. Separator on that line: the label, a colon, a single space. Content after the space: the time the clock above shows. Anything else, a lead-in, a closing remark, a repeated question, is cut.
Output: 12:56:00
